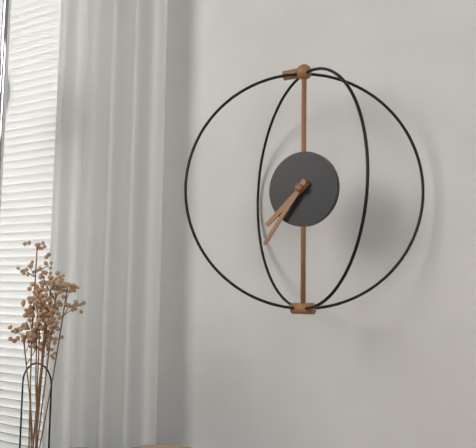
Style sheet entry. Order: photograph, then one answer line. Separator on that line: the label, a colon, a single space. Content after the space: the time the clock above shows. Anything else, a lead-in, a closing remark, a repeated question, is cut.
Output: 7:36
